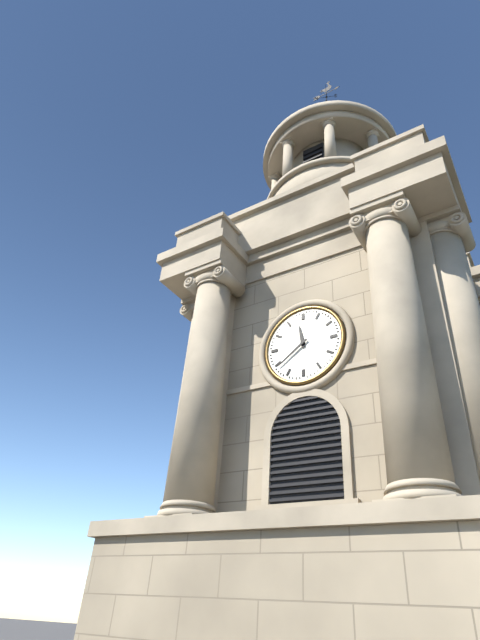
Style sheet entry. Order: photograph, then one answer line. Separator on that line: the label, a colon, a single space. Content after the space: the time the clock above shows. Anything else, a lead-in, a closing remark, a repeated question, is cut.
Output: 11:39
